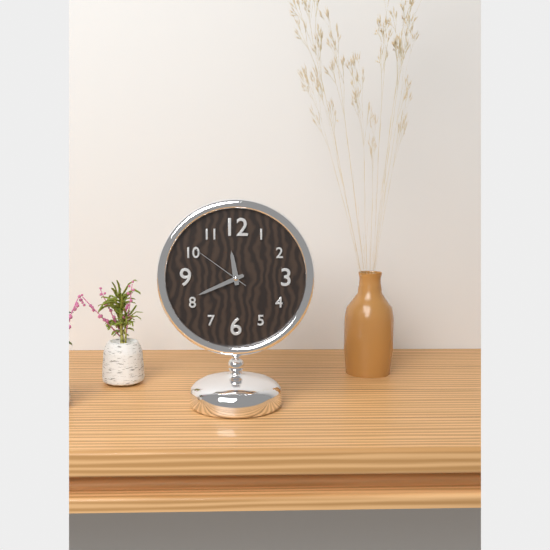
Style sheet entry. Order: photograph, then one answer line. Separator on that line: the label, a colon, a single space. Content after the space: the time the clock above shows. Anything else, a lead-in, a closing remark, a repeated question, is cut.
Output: 11:41:51
